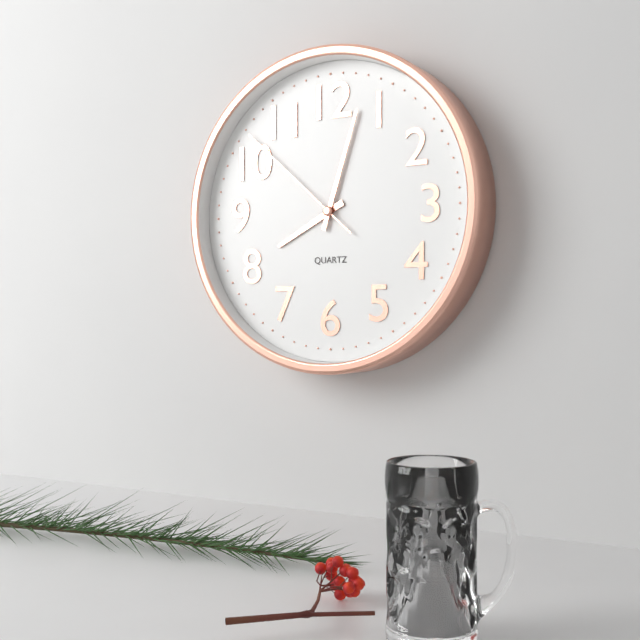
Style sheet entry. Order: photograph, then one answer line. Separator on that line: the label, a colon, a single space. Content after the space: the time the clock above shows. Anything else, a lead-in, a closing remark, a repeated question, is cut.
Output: 8:03:52
